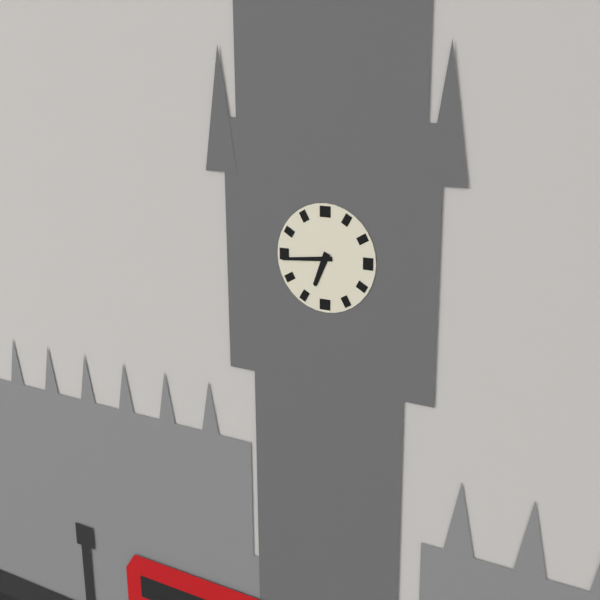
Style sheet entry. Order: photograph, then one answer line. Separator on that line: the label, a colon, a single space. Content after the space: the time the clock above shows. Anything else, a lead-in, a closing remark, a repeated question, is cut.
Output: 6:44
